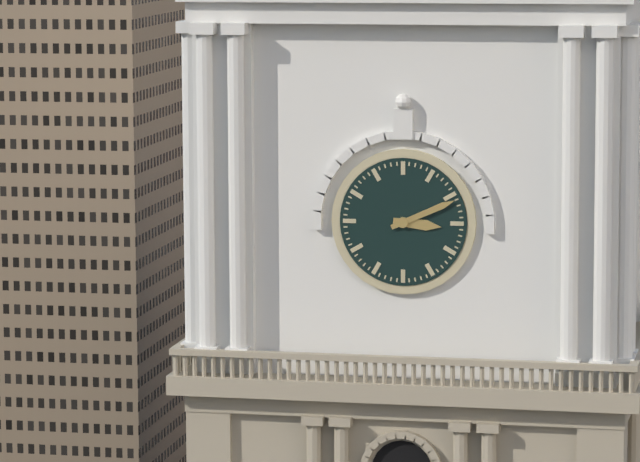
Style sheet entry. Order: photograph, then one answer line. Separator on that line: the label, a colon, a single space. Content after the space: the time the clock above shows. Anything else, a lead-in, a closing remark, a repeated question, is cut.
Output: 3:11
